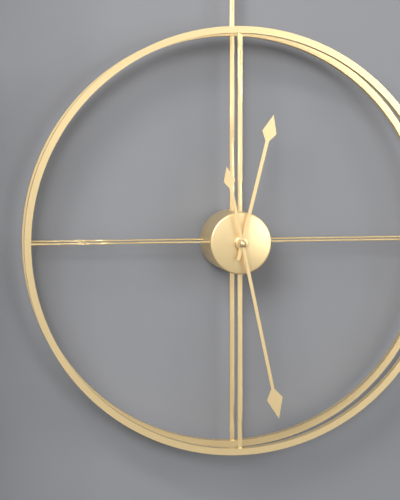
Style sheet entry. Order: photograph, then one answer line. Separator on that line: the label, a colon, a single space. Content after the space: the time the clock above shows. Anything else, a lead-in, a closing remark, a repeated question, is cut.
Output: 12:28
